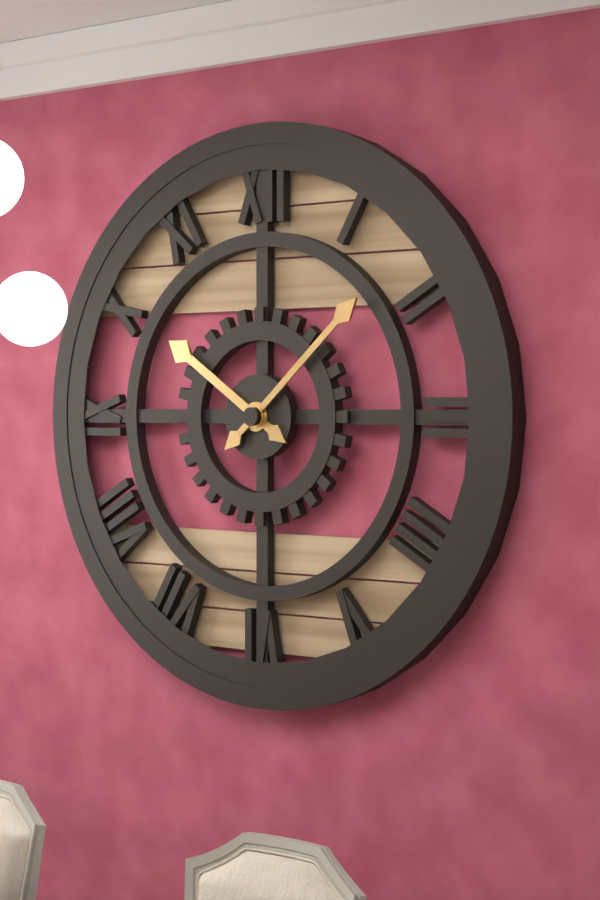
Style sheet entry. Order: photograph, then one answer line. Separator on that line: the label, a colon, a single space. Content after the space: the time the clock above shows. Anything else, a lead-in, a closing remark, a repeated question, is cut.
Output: 10:08
